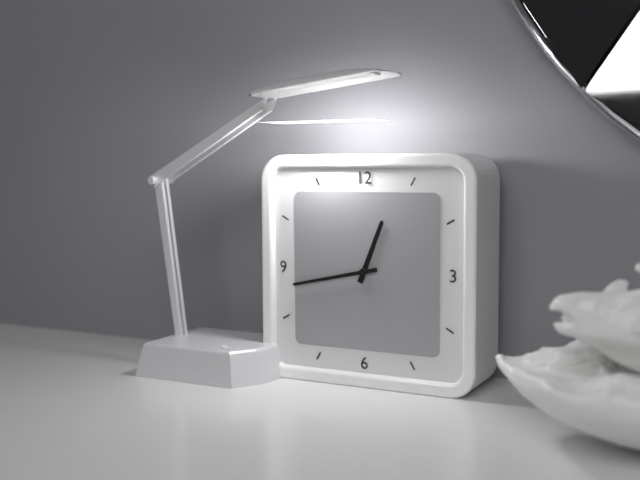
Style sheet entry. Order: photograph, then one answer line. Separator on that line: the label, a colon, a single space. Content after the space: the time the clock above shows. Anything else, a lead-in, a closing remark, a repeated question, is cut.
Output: 12:43
